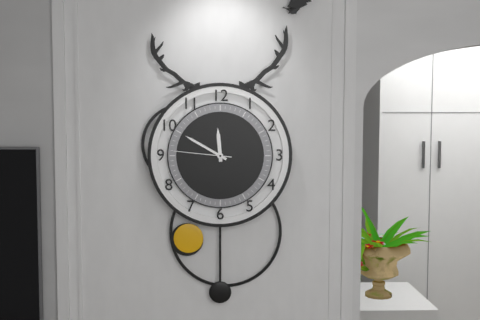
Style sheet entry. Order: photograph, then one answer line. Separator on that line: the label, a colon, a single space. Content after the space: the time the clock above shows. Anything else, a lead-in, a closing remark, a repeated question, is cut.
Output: 11:50:46
